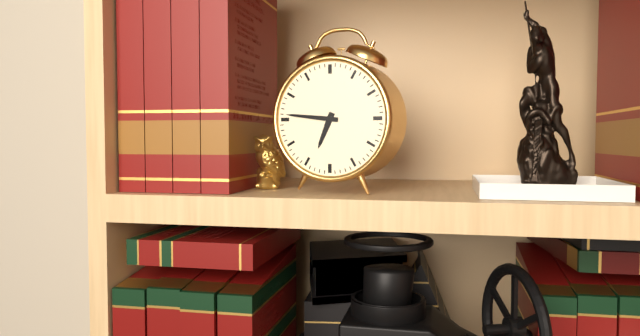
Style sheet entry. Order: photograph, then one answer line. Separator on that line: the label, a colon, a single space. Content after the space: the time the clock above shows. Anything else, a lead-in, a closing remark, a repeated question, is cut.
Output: 6:46
